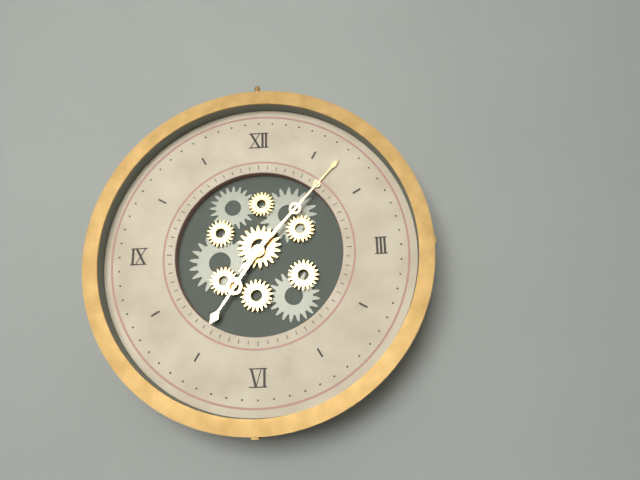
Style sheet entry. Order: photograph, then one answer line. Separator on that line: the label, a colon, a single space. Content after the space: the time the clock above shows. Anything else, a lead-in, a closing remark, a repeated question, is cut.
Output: 7:07
